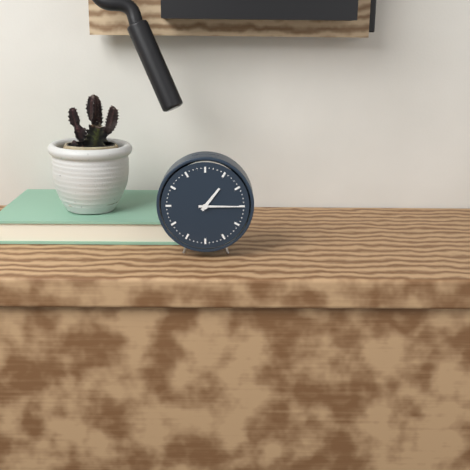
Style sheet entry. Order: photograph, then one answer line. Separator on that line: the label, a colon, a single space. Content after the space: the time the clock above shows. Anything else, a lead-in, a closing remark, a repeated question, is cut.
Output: 1:15
